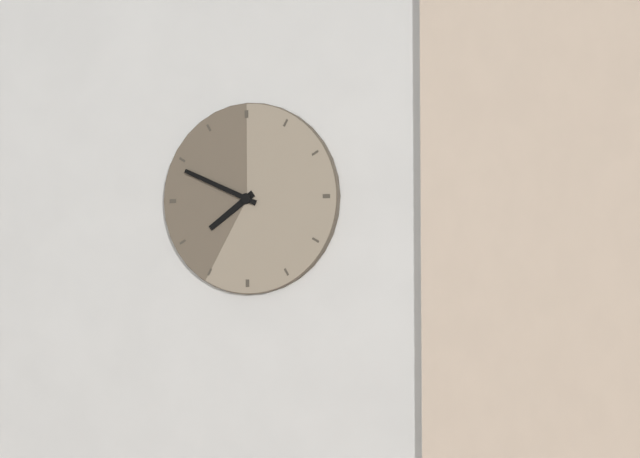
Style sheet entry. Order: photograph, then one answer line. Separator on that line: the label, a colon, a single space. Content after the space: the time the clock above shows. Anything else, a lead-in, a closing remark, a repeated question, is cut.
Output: 7:49
